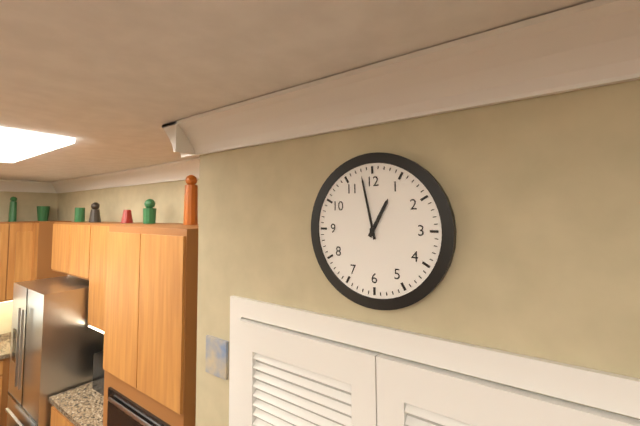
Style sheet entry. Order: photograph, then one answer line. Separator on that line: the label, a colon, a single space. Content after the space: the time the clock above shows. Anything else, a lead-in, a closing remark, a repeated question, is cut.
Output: 12:58
